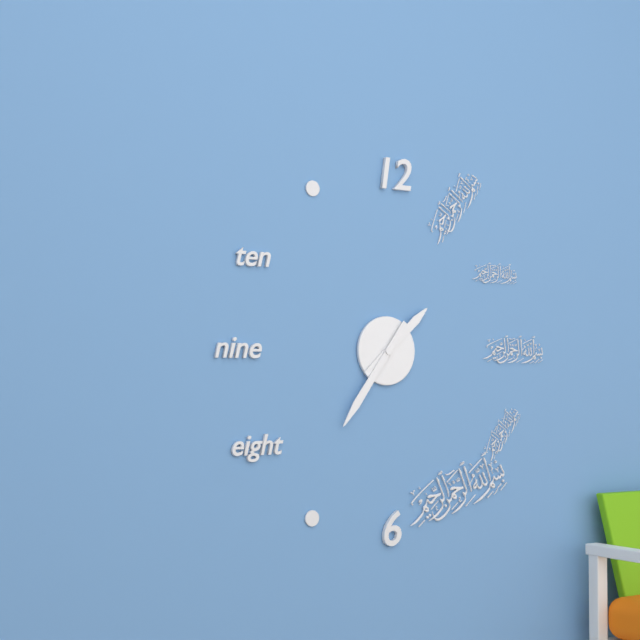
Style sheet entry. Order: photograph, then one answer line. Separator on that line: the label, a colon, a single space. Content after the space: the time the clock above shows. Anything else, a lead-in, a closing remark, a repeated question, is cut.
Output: 1:36
